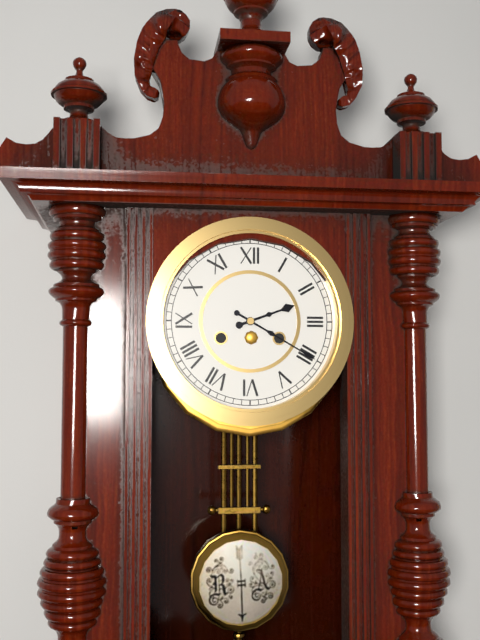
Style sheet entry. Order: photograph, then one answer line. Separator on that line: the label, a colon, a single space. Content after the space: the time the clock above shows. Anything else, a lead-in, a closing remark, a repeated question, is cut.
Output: 2:20
